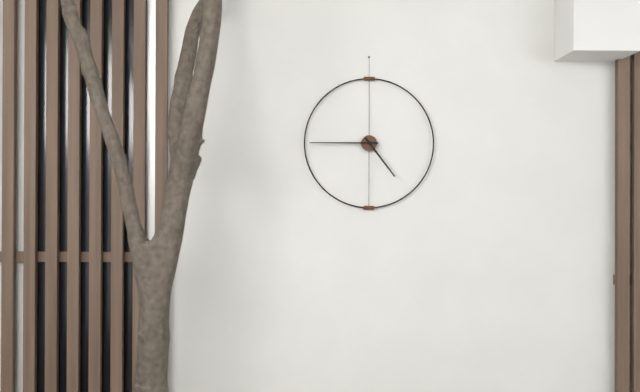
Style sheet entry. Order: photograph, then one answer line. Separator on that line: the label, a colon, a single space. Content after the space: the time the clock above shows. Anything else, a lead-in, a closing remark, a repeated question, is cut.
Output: 4:45
